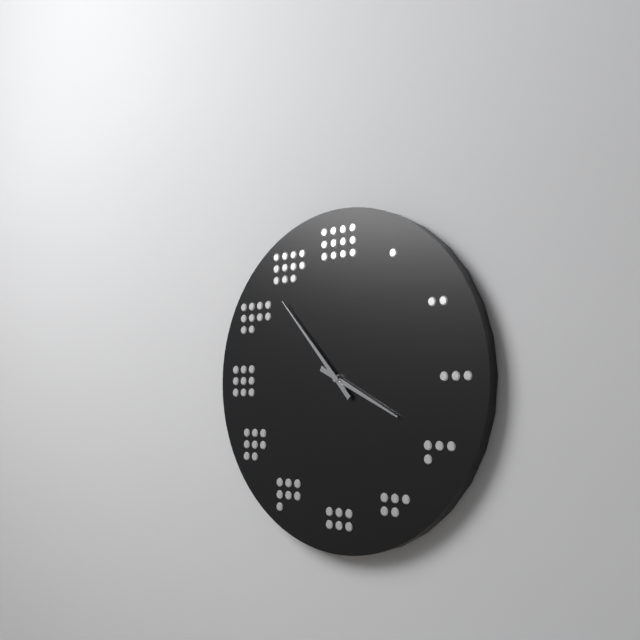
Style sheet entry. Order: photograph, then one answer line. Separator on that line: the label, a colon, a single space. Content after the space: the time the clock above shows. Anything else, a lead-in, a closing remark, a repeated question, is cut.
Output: 3:53
